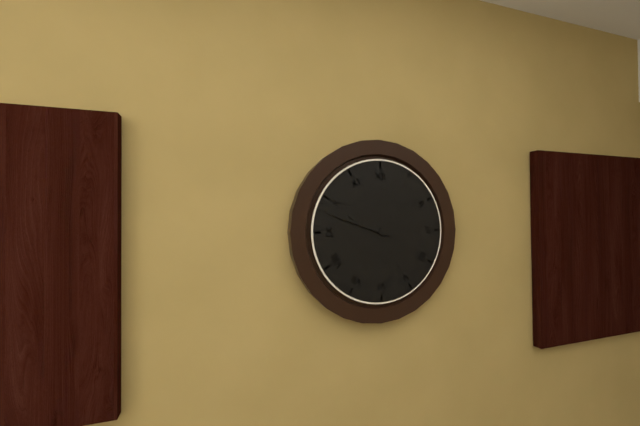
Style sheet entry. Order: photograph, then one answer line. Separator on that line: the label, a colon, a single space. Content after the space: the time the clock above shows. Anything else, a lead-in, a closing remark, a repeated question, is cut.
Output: 9:48
